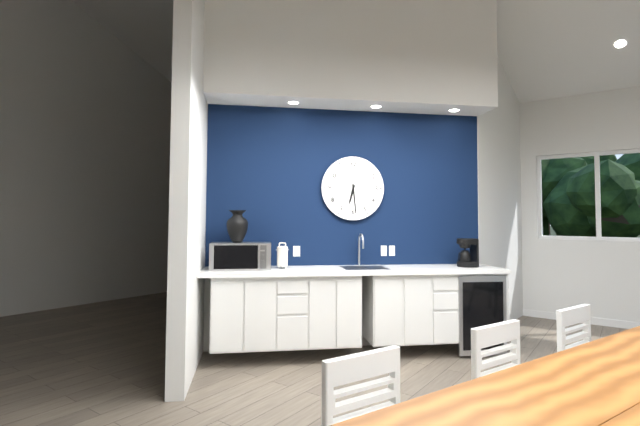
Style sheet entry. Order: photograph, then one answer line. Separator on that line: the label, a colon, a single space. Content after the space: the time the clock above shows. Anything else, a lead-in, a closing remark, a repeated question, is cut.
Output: 6:29
